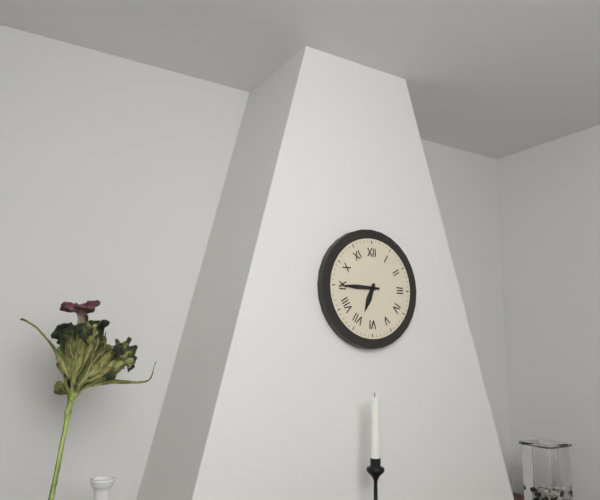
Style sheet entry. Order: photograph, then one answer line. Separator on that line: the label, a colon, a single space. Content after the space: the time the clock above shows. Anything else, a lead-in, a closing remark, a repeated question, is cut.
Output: 6:45
